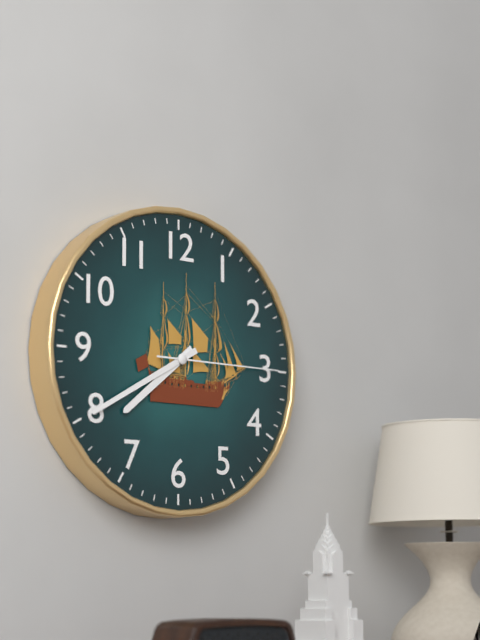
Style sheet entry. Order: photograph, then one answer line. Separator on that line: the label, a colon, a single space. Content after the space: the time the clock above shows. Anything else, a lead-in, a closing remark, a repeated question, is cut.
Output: 7:40:15
